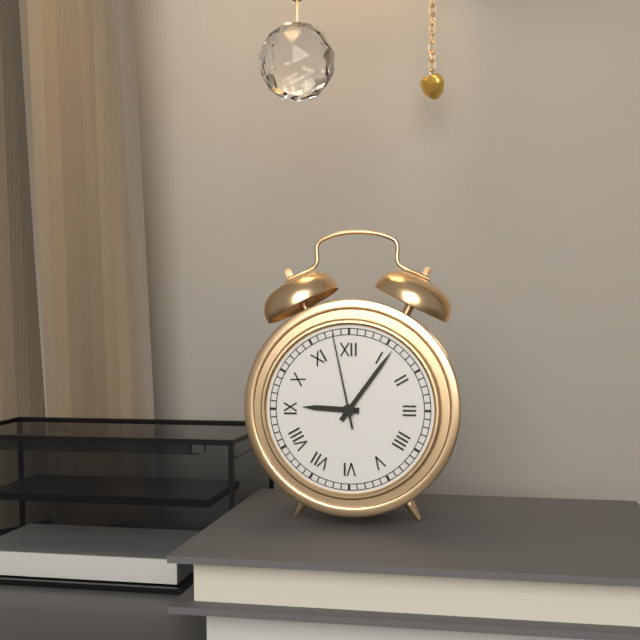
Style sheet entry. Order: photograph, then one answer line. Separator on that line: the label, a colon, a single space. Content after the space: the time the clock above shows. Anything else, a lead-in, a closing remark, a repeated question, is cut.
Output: 9:06:58
